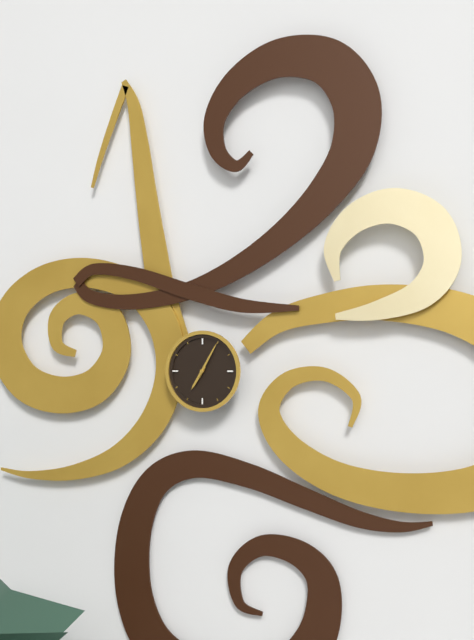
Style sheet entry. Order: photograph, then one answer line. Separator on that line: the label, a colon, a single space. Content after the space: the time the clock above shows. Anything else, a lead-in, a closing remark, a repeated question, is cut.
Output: 7:05
